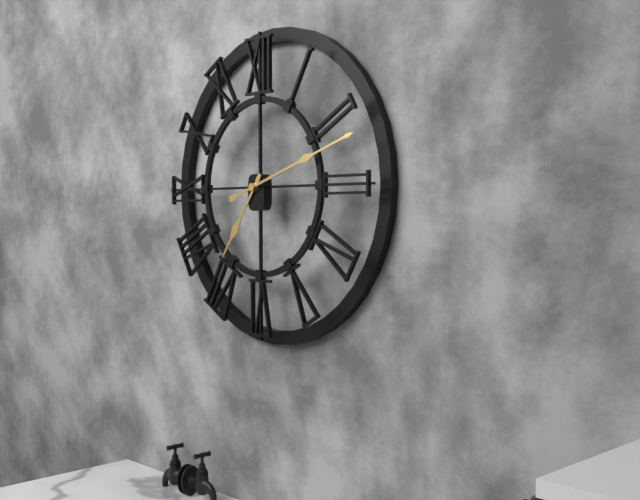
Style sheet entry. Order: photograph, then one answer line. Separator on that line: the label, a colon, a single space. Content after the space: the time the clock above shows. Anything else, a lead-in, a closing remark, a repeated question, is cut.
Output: 7:12
